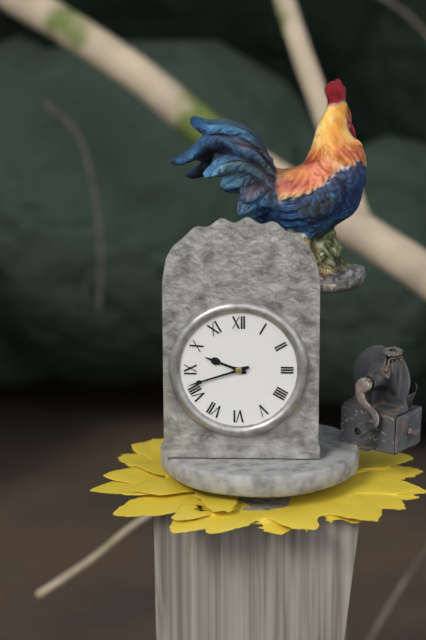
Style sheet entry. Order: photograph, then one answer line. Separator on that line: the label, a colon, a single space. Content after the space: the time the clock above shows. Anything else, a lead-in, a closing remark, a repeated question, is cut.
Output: 9:42
